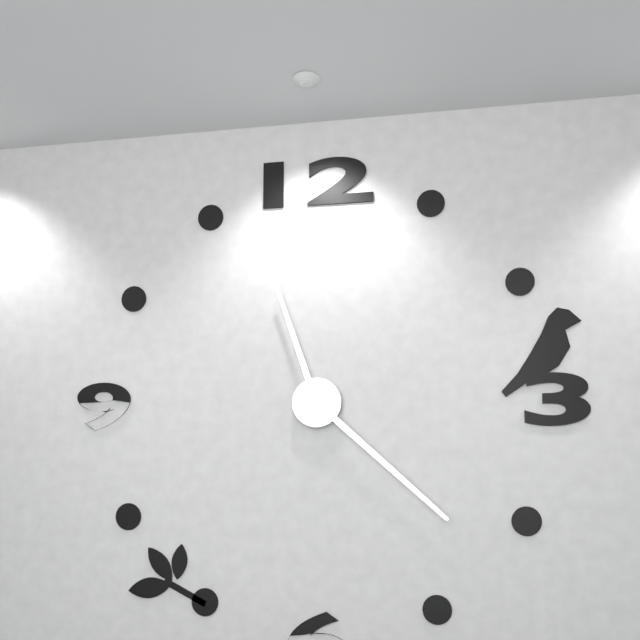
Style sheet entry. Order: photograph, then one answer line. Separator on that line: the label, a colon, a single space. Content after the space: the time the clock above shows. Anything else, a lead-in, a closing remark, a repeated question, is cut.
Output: 11:22
